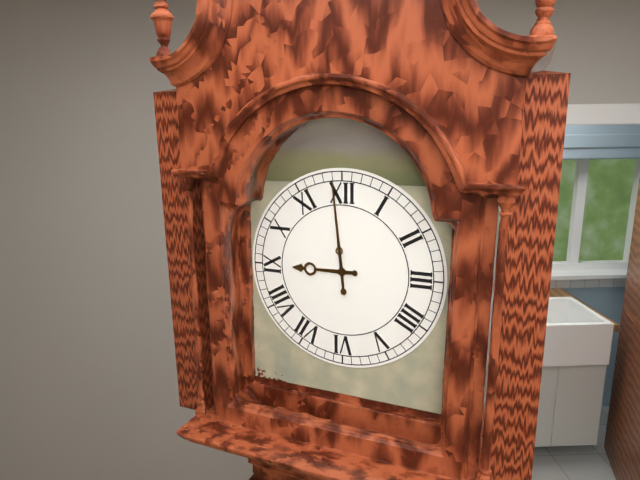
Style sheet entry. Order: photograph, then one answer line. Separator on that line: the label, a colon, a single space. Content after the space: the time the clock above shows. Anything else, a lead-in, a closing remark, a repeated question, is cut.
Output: 8:59
